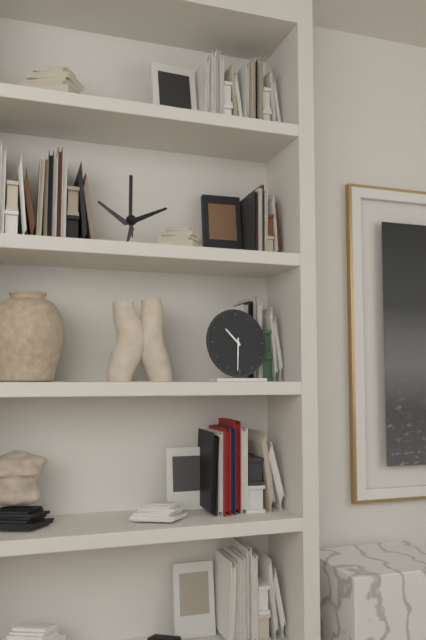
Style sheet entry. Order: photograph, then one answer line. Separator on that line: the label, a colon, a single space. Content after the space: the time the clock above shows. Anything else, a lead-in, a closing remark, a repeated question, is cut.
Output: 10:31
